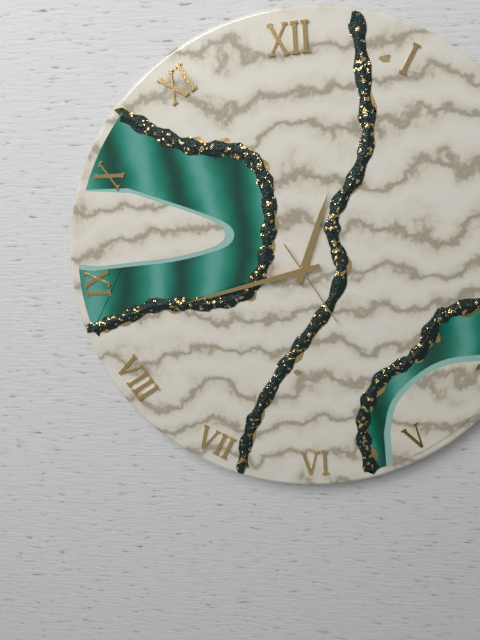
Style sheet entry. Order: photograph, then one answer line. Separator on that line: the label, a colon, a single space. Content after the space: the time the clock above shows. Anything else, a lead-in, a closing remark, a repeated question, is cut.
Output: 12:43:25
